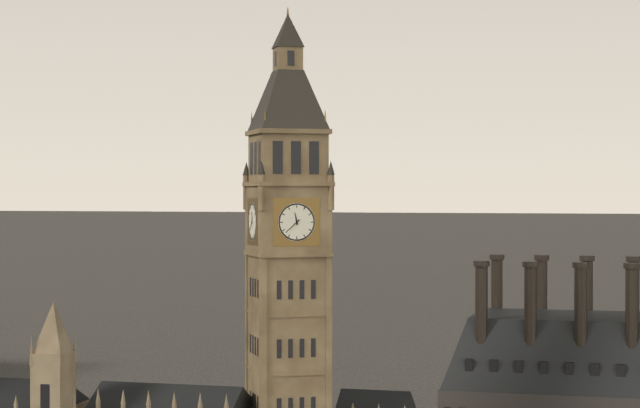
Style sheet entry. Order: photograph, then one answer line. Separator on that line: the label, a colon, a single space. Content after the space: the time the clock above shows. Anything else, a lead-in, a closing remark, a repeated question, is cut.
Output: 11:38
